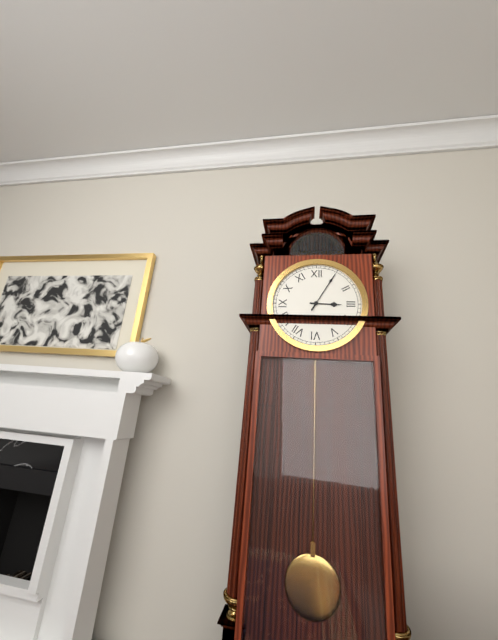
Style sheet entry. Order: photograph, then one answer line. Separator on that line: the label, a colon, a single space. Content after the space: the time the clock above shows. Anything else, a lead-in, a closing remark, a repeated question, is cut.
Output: 3:05
